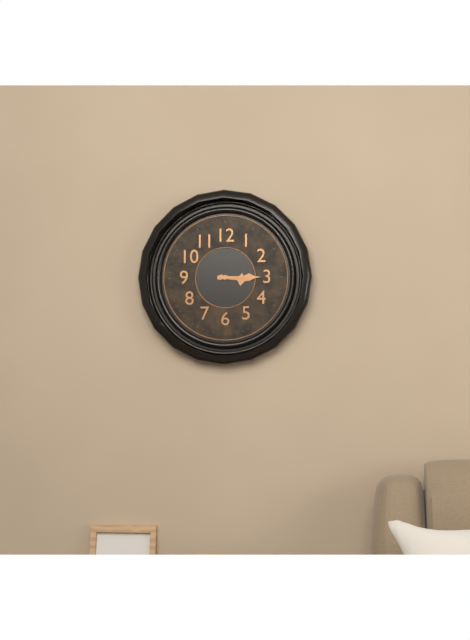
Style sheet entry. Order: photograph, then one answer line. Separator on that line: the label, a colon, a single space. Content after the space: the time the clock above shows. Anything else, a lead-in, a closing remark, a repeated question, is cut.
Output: 3:15
